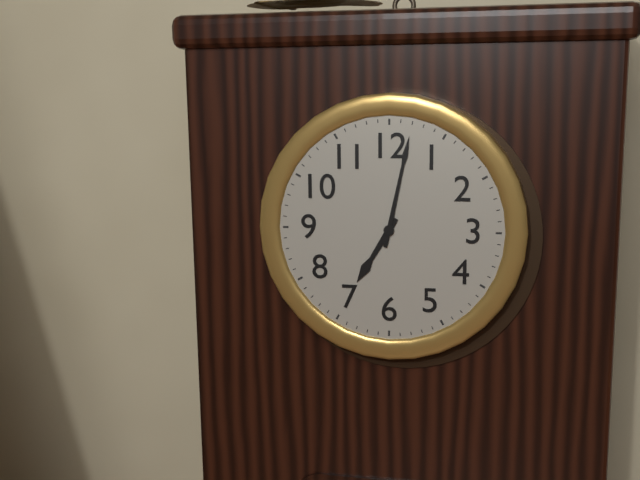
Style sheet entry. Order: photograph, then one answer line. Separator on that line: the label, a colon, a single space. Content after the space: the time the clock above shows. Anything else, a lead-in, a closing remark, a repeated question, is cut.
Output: 7:02
